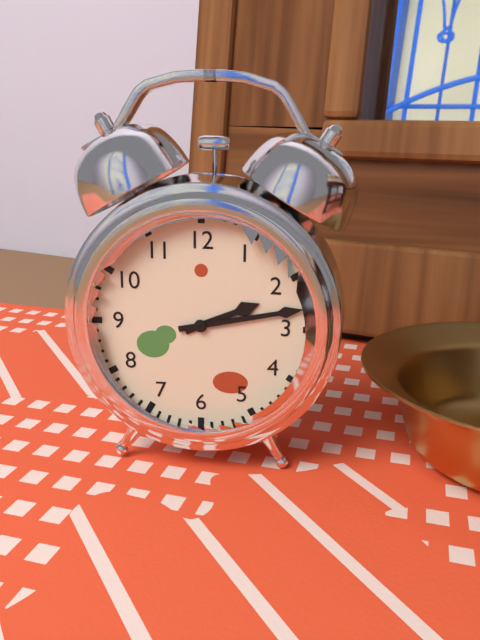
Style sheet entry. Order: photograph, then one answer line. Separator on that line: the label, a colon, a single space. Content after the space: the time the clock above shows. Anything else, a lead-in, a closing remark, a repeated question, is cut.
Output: 2:13
